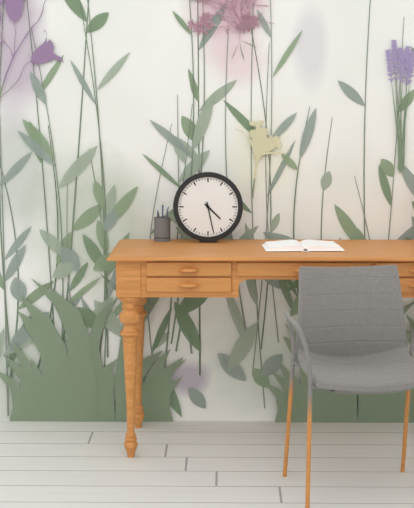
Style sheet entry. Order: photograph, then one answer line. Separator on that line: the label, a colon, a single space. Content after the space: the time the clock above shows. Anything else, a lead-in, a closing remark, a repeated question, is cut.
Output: 4:28
